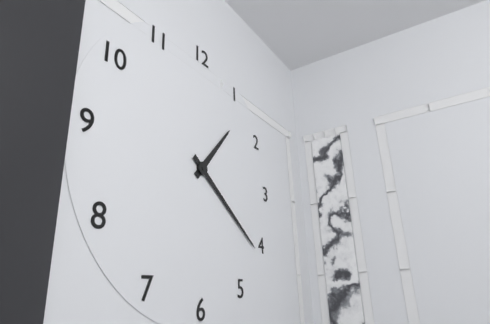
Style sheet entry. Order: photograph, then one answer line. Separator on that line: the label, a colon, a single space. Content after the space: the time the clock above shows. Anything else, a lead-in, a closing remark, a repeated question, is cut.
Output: 1:21
